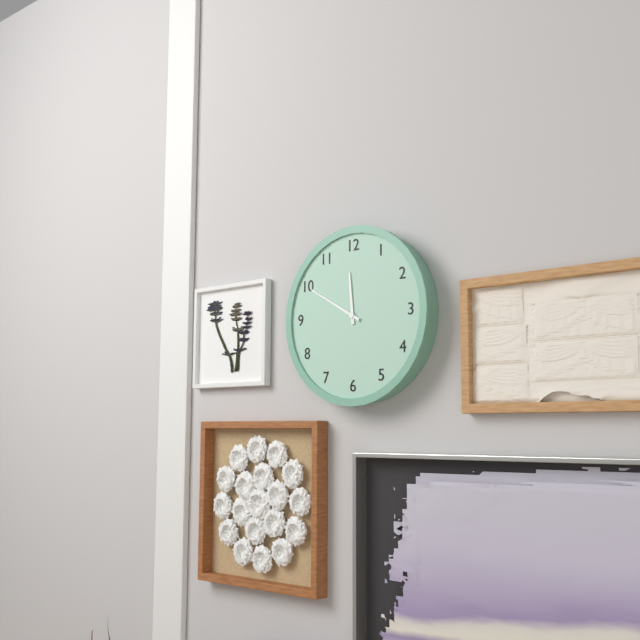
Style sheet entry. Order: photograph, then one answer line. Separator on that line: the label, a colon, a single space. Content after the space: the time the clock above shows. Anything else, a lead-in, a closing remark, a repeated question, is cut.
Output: 11:50
